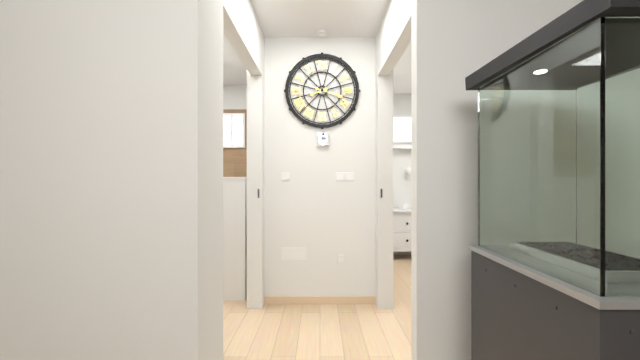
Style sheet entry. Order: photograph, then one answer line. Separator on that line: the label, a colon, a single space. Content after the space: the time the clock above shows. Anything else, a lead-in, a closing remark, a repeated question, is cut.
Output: 8:18
